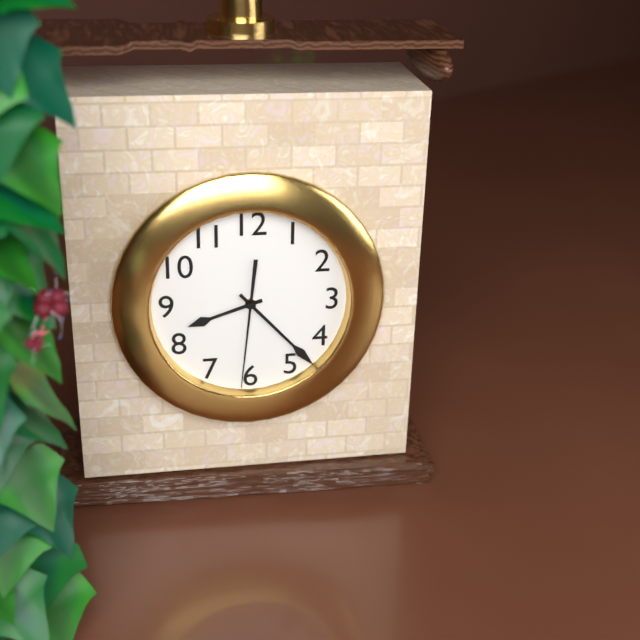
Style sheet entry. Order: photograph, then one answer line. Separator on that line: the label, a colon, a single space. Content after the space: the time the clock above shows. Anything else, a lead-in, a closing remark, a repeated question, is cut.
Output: 8:23:31
